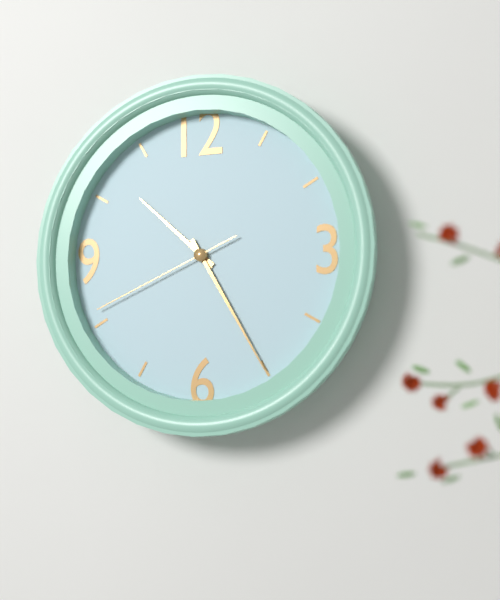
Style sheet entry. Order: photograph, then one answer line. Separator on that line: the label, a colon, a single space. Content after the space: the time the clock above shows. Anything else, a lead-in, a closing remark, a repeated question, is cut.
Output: 10:25:41
